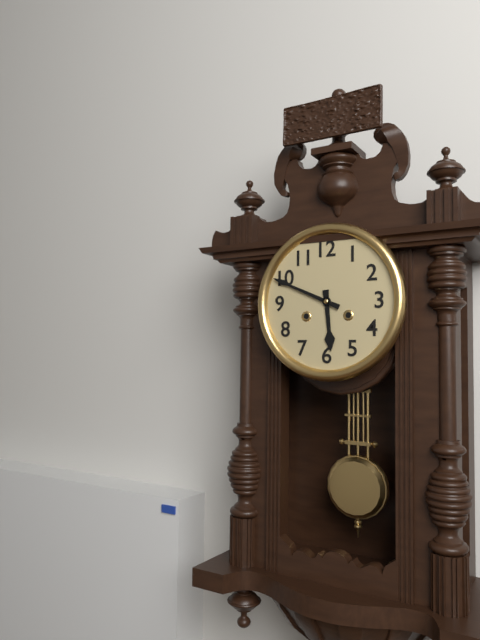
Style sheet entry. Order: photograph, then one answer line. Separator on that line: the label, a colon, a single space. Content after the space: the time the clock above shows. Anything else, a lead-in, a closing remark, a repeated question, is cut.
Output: 5:49
